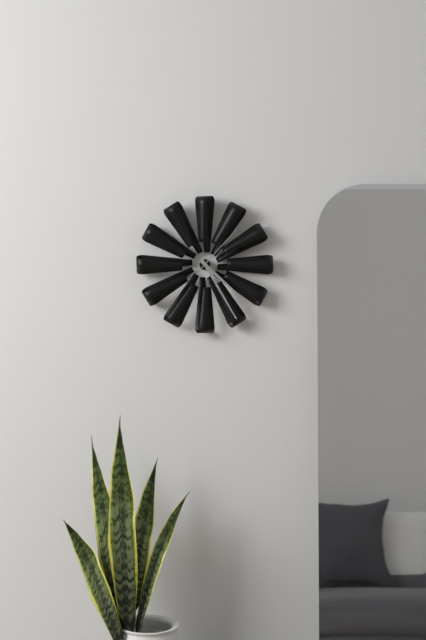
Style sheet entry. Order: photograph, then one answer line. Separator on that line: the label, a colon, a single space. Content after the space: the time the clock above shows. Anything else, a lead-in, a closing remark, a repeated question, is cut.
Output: 4:25:07
